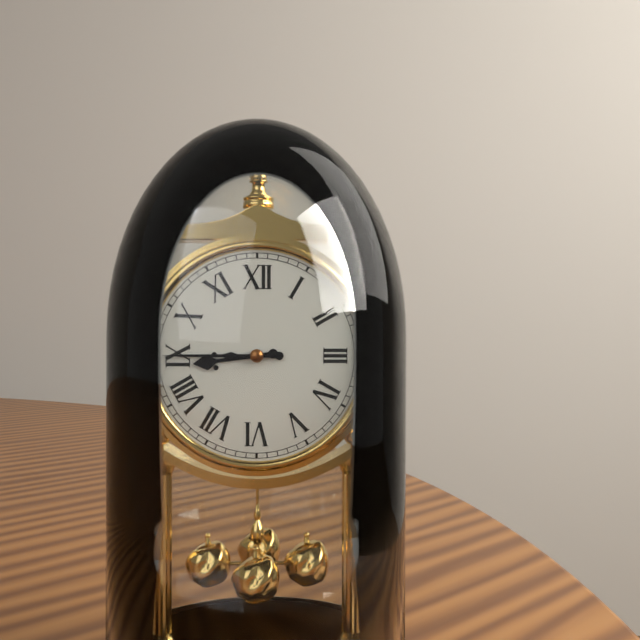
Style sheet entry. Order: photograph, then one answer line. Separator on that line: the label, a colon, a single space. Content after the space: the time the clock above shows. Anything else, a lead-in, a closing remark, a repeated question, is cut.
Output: 8:45
